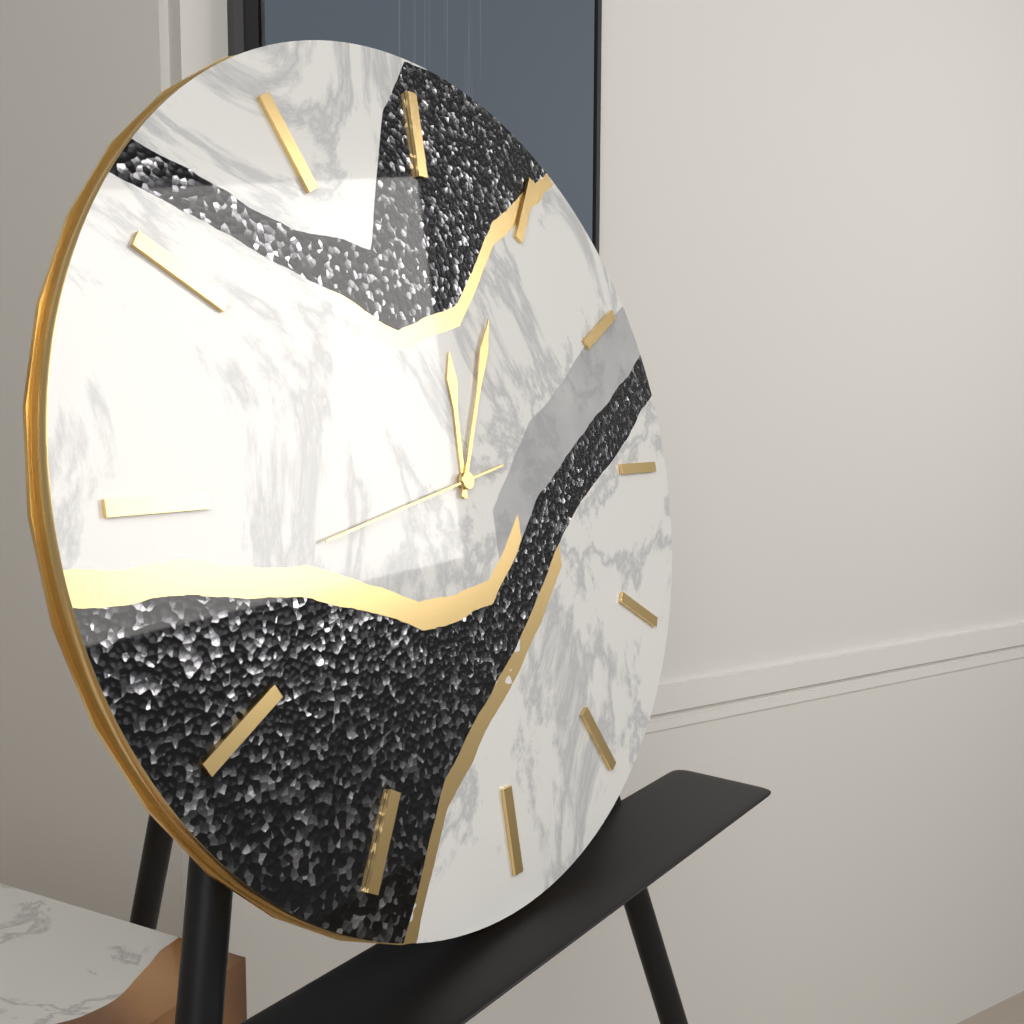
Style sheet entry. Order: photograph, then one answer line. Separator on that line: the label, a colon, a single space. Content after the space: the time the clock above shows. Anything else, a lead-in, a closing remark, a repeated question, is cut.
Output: 12:04:43
